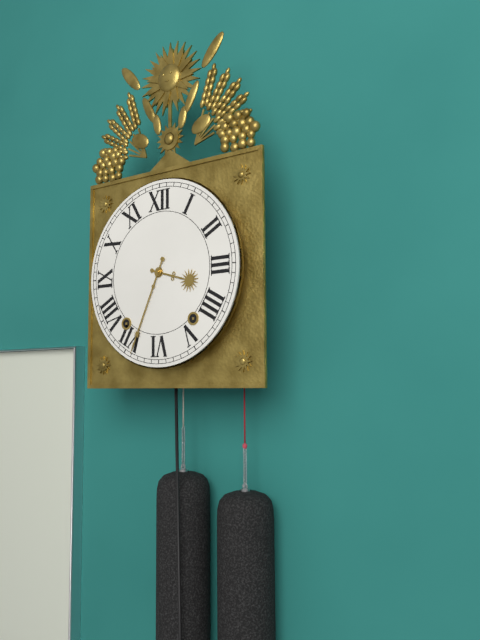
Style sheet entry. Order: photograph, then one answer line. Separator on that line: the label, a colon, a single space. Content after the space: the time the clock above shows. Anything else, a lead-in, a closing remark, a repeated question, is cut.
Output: 3:34
